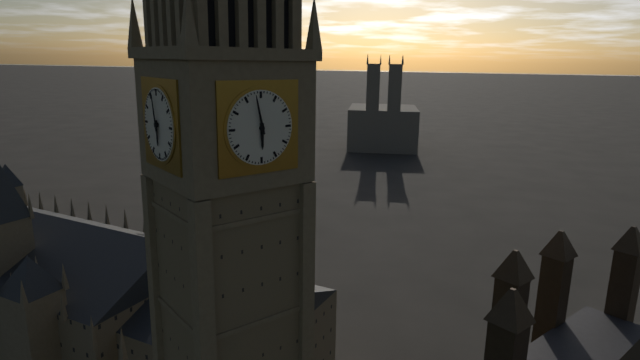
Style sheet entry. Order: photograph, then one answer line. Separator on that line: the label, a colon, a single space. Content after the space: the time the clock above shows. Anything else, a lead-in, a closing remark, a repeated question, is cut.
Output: 5:58
